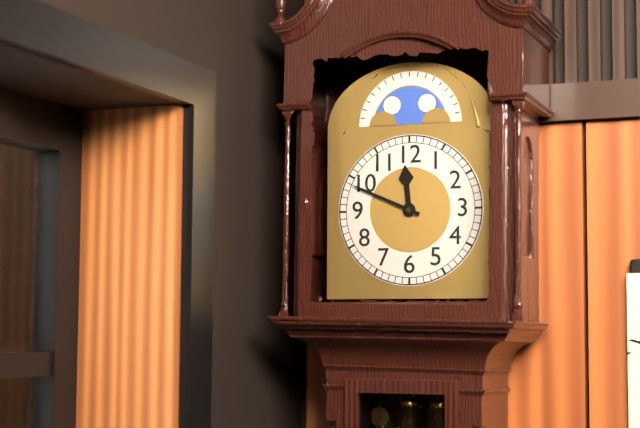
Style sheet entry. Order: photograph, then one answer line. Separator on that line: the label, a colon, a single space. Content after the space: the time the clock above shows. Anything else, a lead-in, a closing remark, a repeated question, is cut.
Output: 11:49
